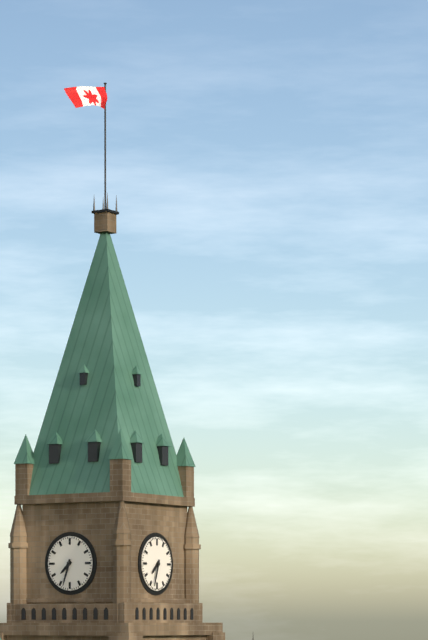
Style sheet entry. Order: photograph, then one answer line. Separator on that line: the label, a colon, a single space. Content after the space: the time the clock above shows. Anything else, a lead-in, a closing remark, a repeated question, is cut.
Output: 7:33
